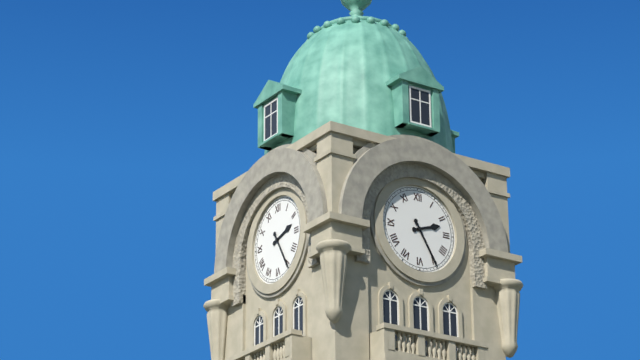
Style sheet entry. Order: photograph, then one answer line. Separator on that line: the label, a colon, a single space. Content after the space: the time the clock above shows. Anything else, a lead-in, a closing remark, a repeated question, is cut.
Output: 2:25
